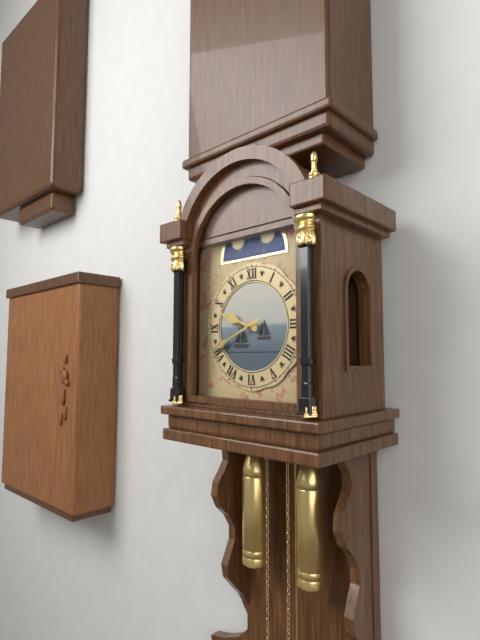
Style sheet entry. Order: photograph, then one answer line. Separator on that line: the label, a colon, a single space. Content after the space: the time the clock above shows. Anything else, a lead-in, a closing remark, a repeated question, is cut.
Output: 9:41
